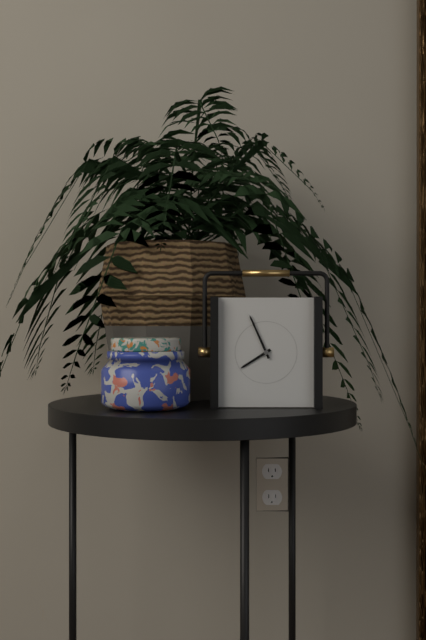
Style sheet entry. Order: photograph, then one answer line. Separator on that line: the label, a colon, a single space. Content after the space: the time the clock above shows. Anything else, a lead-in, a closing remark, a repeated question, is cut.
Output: 7:56
